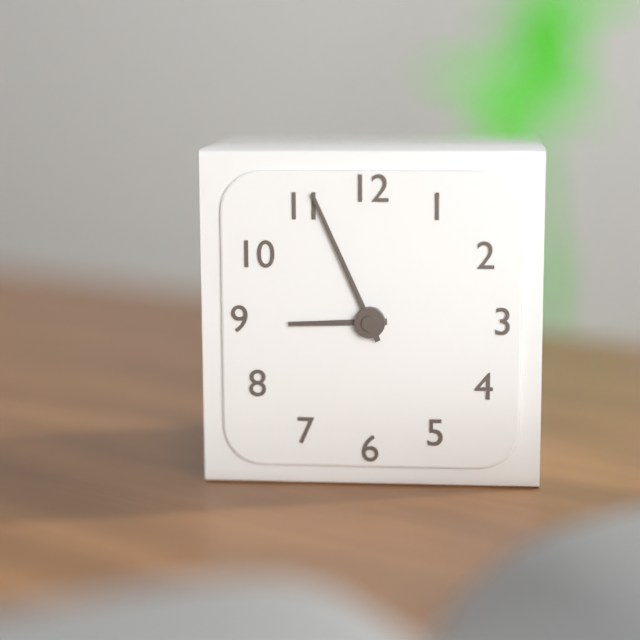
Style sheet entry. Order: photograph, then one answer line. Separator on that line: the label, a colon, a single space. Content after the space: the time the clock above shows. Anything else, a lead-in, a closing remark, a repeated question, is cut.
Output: 8:56
